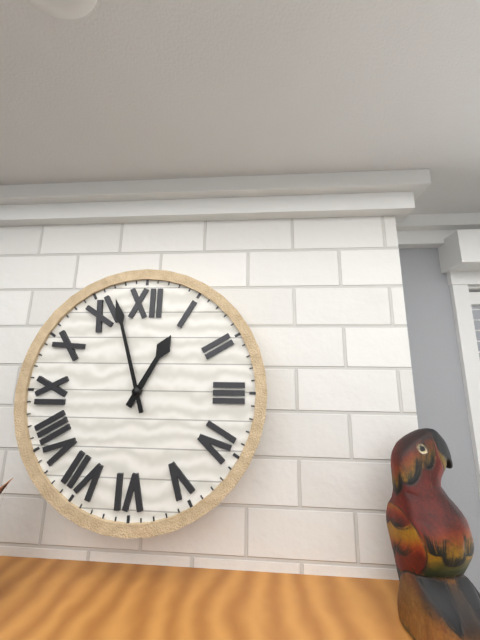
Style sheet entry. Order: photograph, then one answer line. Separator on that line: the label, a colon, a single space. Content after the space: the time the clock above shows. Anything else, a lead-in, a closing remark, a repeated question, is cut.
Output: 12:57
